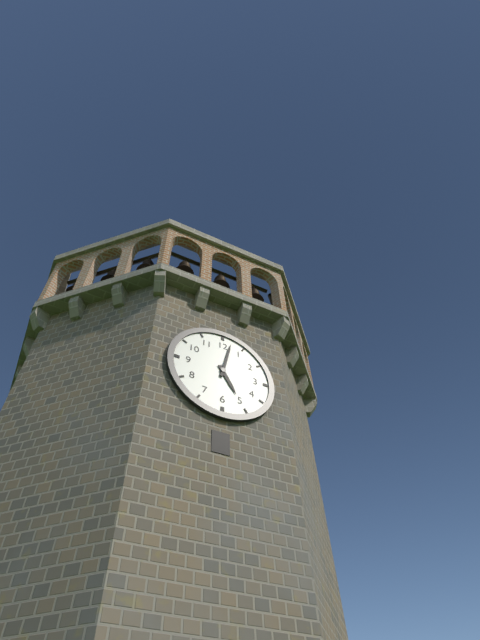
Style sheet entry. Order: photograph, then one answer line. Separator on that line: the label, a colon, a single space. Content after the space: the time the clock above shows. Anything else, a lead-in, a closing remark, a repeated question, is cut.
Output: 5:02
